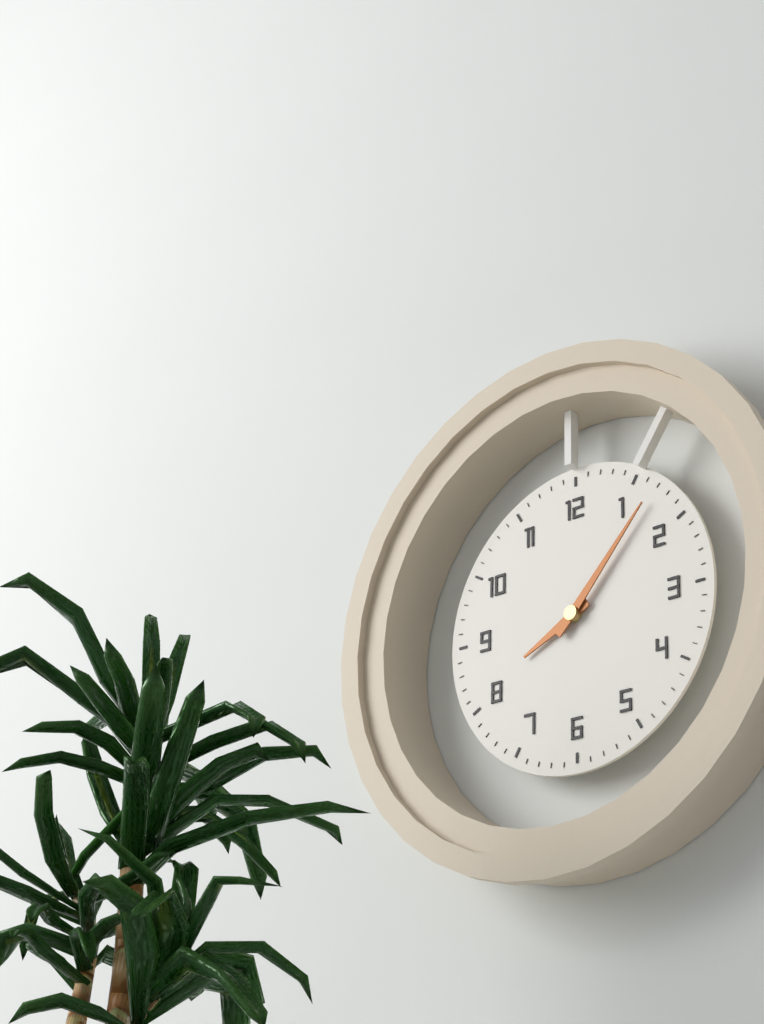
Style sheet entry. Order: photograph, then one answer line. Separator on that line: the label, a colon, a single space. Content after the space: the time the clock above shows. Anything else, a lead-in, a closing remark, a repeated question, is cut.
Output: 8:07
